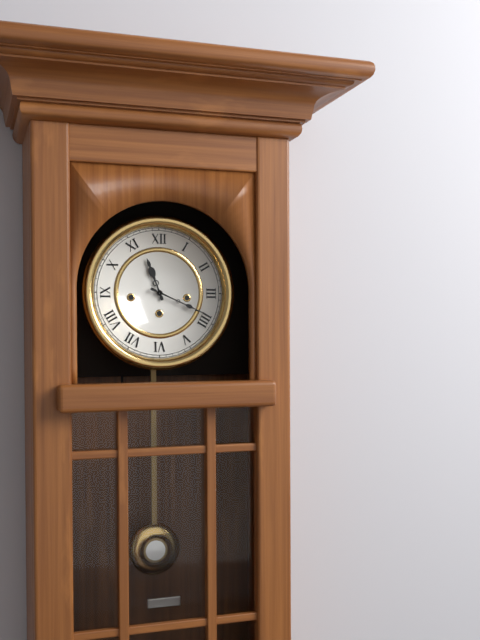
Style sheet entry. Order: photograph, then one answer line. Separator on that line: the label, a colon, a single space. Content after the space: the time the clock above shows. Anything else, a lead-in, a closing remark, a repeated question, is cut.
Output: 11:19
